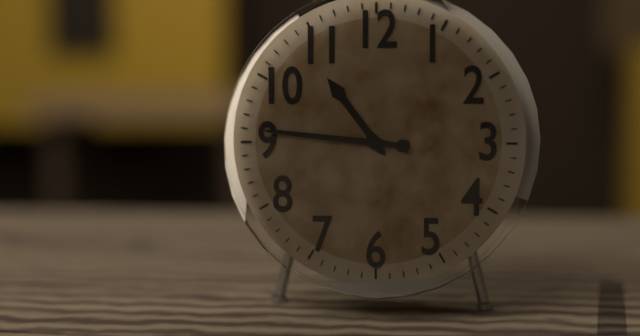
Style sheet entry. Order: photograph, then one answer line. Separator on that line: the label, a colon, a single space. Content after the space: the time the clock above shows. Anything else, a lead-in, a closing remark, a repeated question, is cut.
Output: 10:46
